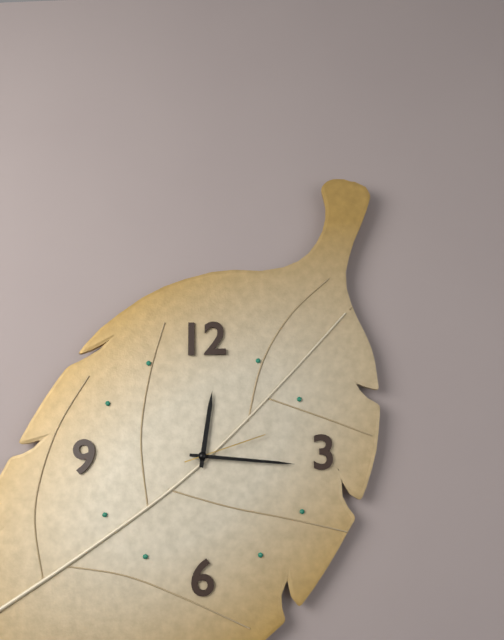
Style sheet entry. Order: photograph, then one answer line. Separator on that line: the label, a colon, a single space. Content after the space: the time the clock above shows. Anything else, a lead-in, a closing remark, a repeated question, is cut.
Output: 12:16:12
